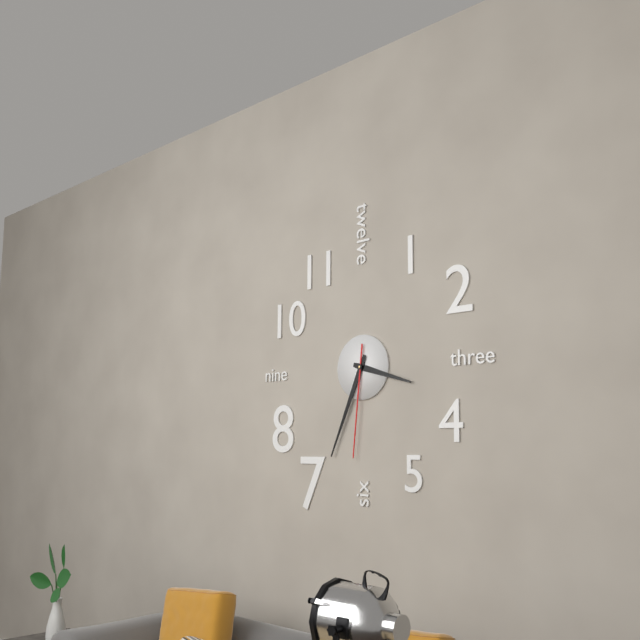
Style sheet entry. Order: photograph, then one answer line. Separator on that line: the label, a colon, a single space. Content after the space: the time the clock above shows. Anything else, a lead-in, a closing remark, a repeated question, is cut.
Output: 3:34:31
